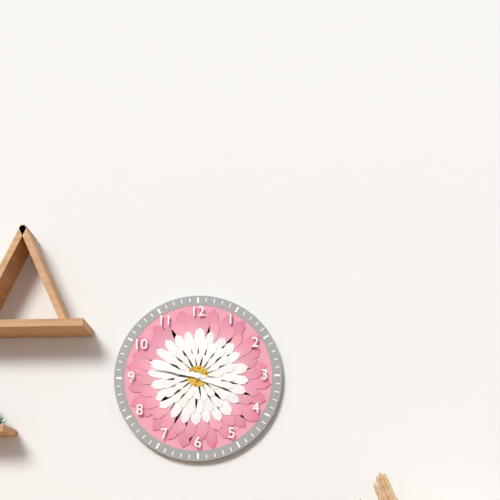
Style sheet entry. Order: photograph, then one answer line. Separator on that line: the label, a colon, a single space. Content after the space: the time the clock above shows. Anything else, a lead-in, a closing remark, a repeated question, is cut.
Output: 3:47
